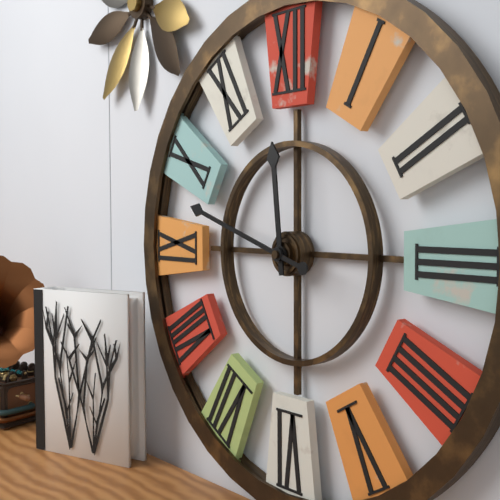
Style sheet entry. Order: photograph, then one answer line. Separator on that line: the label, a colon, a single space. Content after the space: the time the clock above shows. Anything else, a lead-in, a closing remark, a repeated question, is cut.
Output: 11:48
